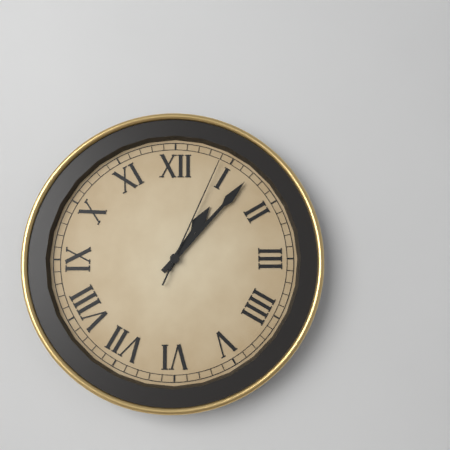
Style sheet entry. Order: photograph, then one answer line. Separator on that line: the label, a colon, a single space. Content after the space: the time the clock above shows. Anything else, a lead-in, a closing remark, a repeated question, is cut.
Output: 1:07:04
